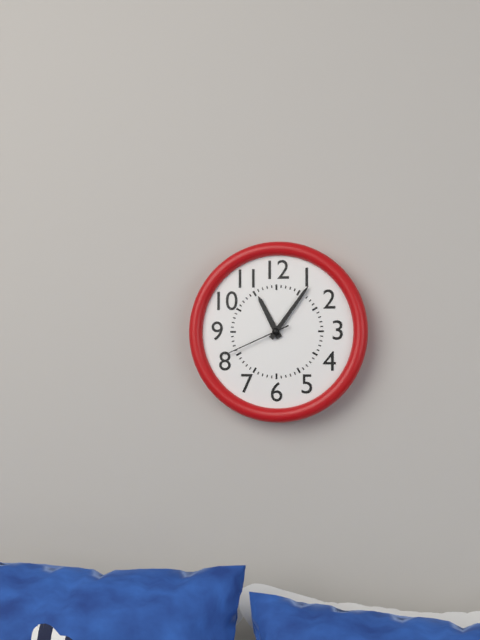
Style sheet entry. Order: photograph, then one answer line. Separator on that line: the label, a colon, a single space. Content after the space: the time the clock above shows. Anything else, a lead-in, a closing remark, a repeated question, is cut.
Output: 11:06:41
